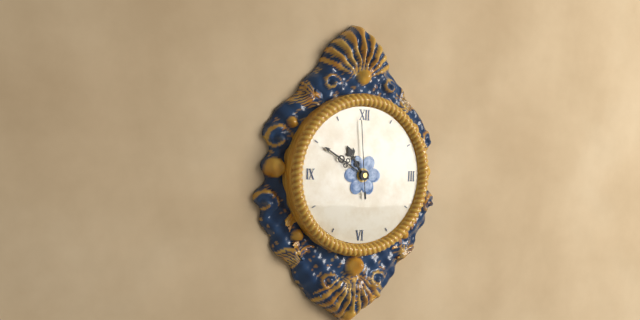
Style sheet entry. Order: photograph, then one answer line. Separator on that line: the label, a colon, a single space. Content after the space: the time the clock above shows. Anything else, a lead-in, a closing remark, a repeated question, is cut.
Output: 10:50:59
